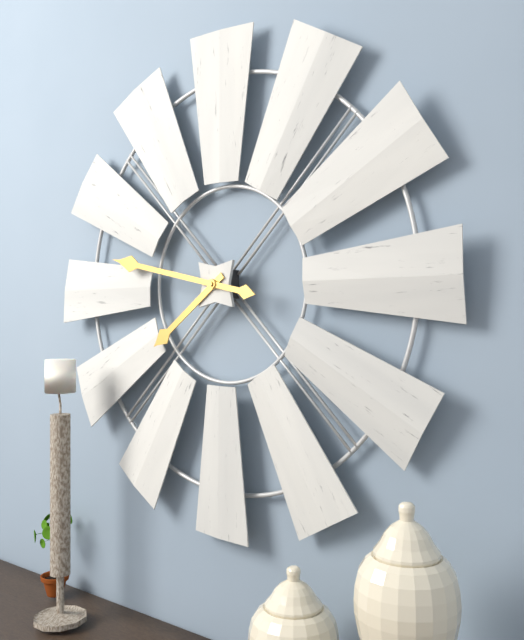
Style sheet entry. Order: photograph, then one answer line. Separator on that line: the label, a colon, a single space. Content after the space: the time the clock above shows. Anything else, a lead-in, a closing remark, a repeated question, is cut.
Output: 7:47
